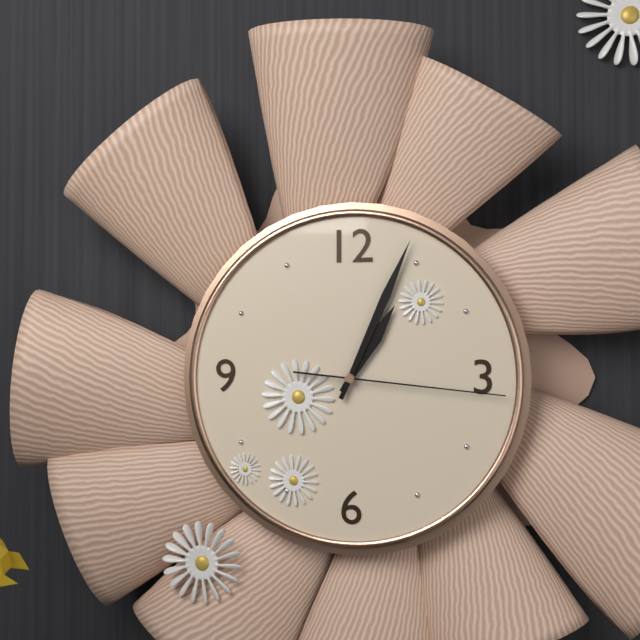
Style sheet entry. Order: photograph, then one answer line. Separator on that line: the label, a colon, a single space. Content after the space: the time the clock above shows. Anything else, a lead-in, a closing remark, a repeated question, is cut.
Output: 1:04:16
